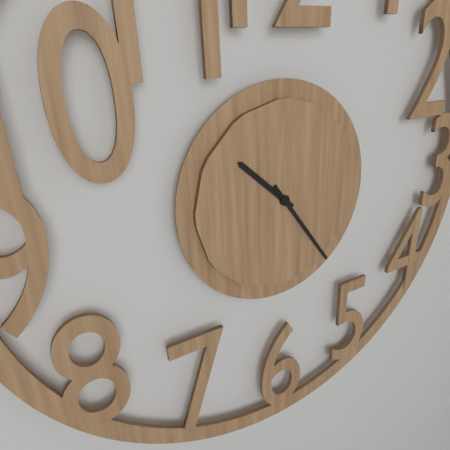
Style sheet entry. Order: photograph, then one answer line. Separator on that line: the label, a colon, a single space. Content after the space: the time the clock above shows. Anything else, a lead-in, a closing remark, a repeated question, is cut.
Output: 10:24
